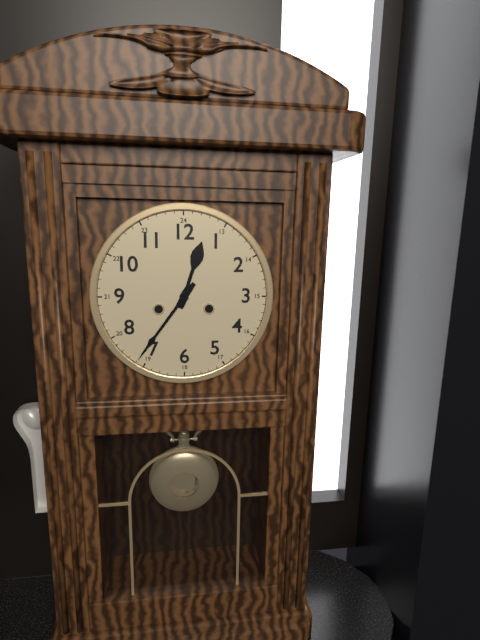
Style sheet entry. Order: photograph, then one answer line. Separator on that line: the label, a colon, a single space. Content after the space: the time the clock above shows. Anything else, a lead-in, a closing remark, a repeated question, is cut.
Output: 12:36
